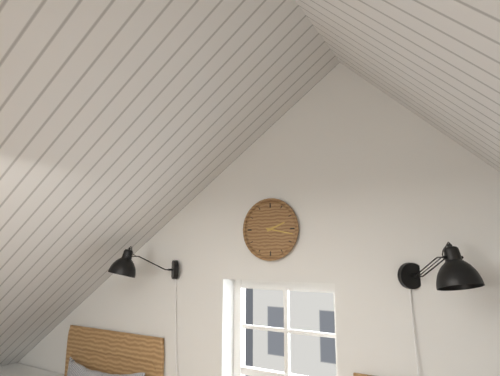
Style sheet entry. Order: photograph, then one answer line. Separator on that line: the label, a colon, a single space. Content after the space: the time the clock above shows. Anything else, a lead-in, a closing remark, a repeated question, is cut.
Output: 2:17
